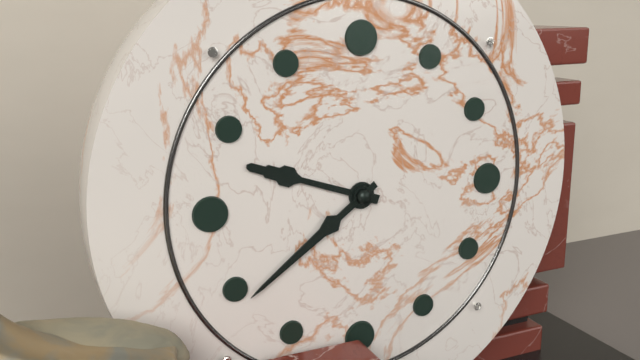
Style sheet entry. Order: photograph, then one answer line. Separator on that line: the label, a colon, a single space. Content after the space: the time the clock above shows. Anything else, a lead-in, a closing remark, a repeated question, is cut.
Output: 9:39
